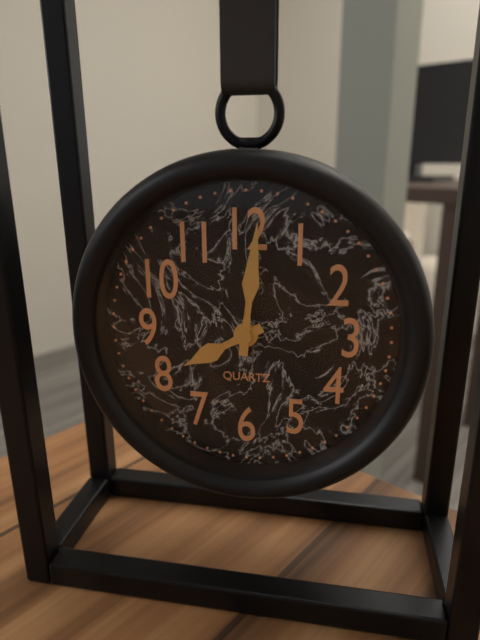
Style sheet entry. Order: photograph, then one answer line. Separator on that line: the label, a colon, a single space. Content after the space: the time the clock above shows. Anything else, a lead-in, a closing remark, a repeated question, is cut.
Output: 8:01
